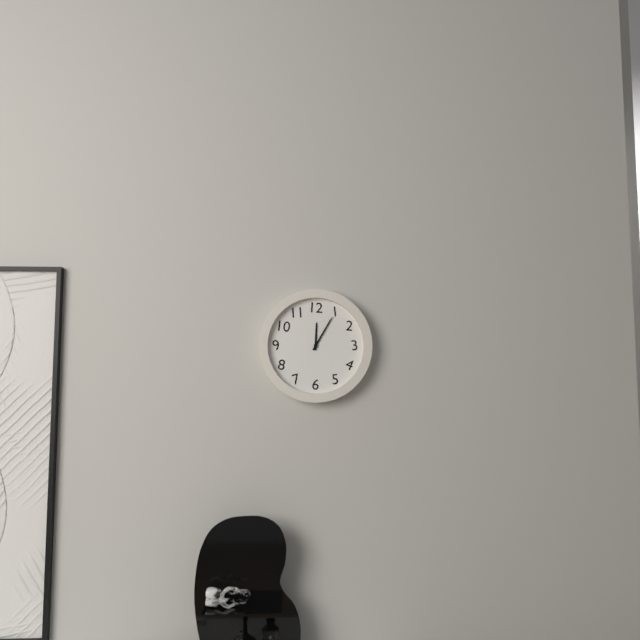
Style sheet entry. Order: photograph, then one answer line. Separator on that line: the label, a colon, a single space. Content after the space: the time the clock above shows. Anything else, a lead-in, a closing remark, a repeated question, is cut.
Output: 12:05
